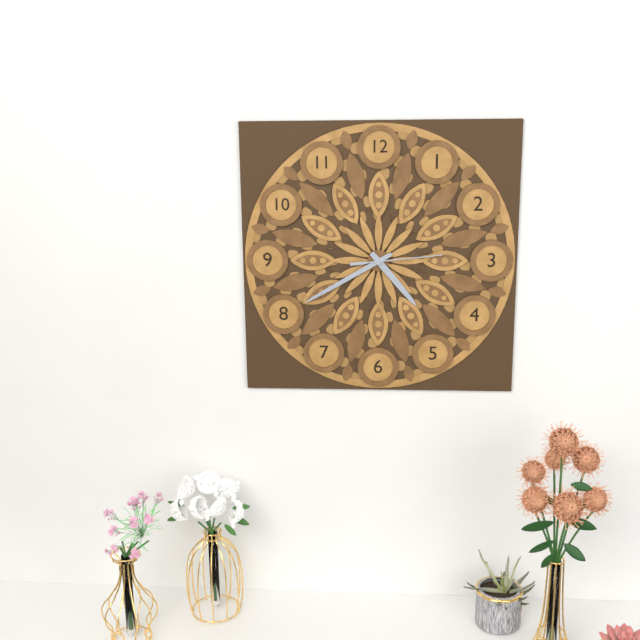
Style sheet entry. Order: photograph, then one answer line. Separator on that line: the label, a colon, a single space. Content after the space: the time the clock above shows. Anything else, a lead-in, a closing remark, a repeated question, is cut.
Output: 4:40:14
